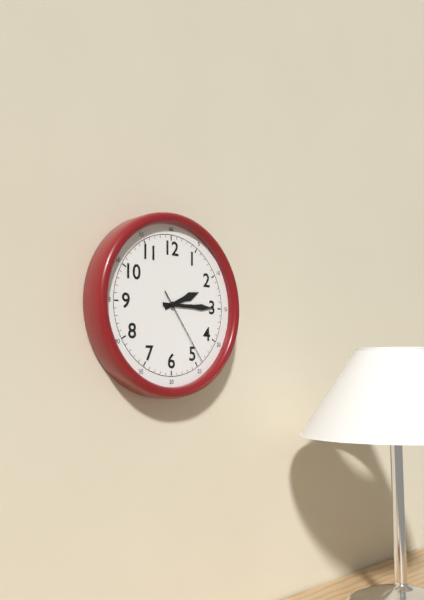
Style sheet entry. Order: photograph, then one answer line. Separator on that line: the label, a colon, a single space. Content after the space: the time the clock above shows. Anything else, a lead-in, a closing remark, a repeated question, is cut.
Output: 2:15:24
